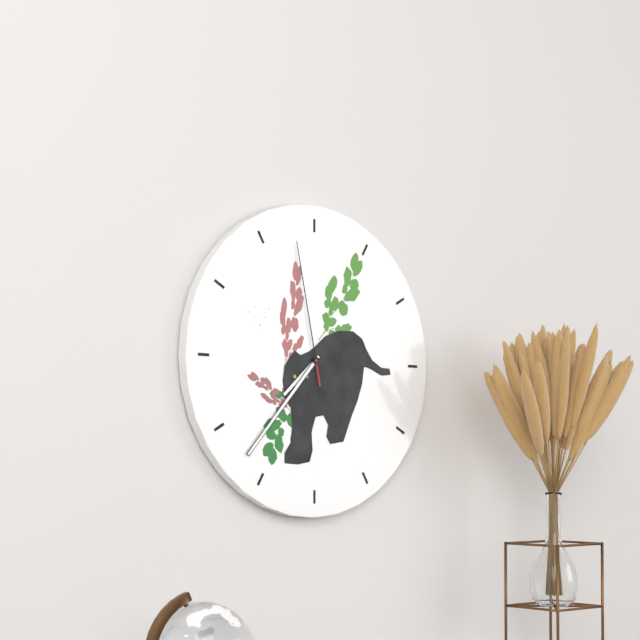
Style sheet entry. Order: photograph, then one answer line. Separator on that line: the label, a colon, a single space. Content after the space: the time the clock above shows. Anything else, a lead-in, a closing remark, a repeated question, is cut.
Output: 7:37:58
